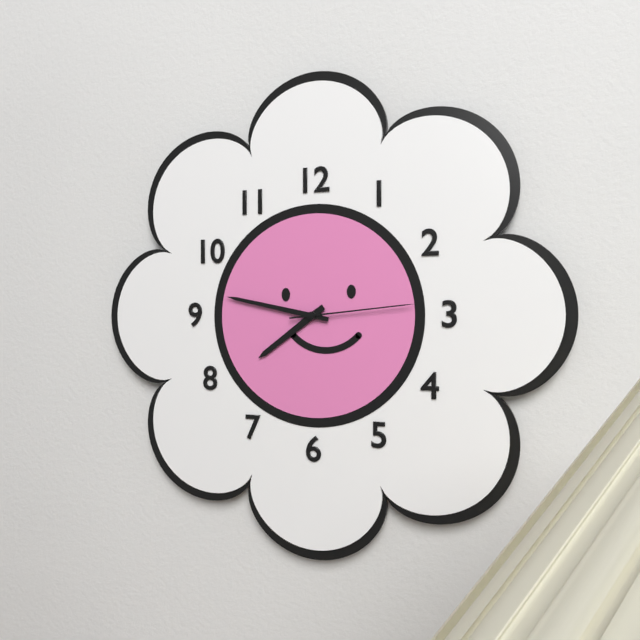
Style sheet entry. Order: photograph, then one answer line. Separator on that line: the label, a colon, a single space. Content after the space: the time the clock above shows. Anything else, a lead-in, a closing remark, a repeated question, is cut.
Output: 7:47:14
